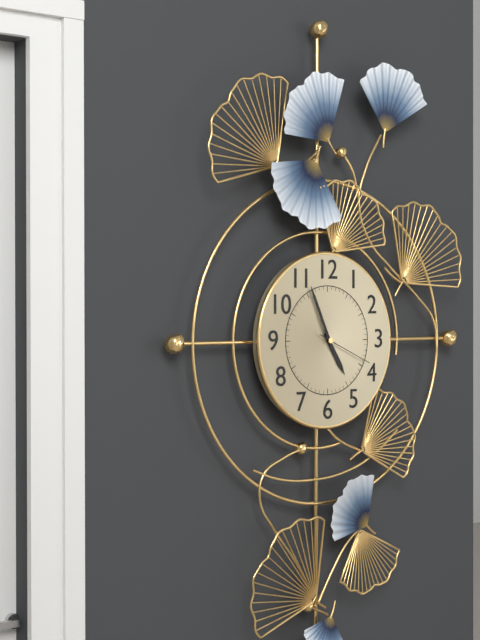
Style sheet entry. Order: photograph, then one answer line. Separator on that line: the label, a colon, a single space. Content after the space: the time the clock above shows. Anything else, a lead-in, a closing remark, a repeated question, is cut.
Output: 4:56:19
